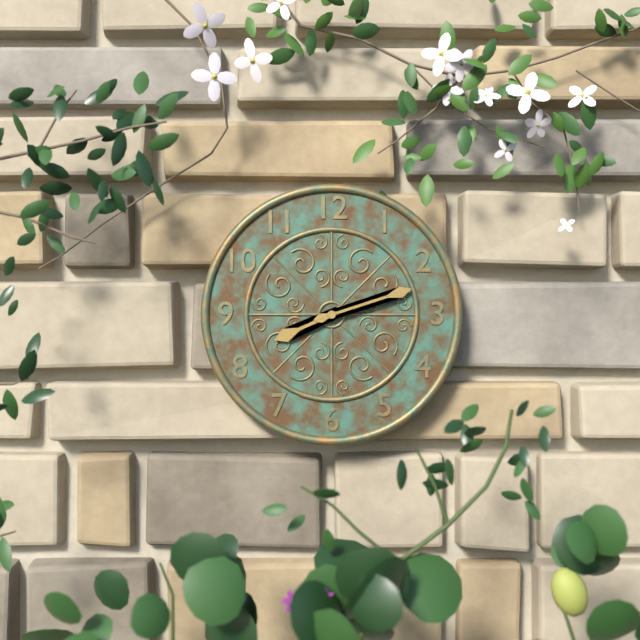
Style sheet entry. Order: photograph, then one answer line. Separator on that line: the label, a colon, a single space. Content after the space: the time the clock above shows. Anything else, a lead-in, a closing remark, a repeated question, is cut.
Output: 8:12
